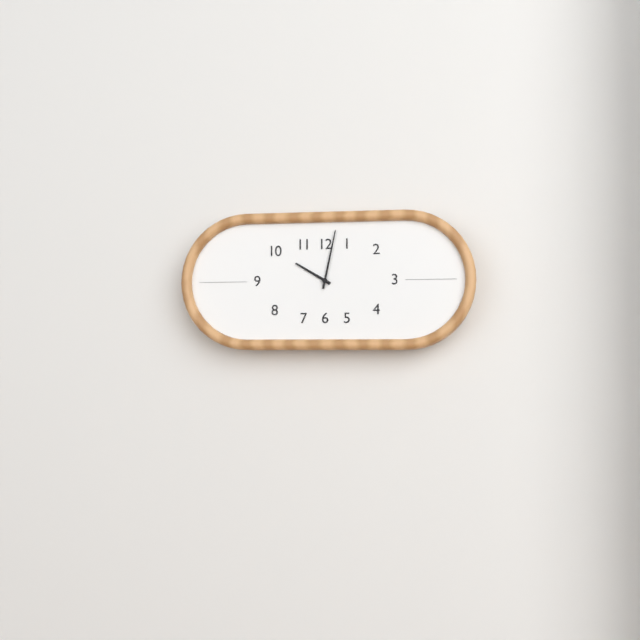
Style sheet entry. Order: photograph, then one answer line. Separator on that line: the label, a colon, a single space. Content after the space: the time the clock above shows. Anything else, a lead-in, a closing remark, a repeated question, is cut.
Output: 10:02
